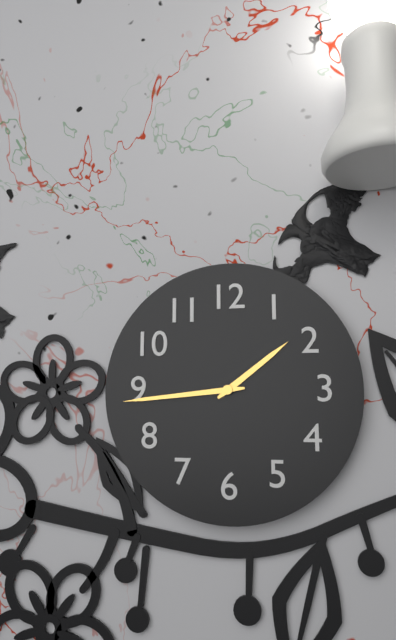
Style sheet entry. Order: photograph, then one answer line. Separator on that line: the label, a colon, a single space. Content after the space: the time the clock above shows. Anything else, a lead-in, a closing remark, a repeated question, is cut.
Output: 1:44
